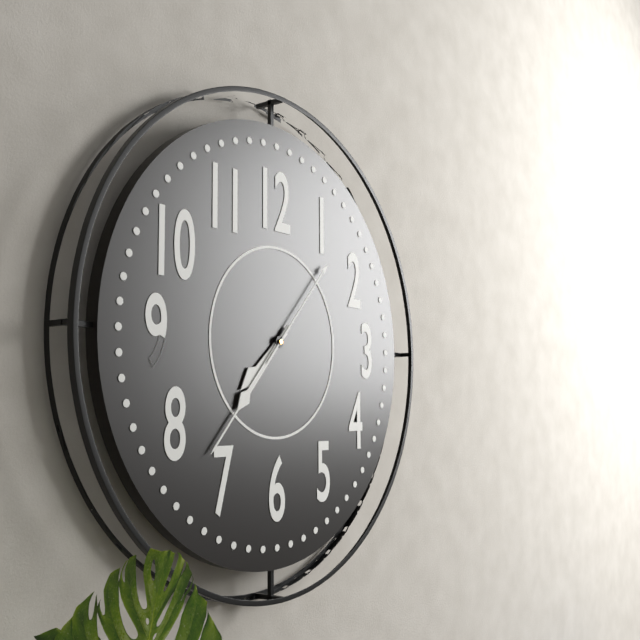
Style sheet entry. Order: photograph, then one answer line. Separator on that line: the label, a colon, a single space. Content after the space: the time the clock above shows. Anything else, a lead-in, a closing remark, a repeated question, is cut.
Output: 7:37:07
